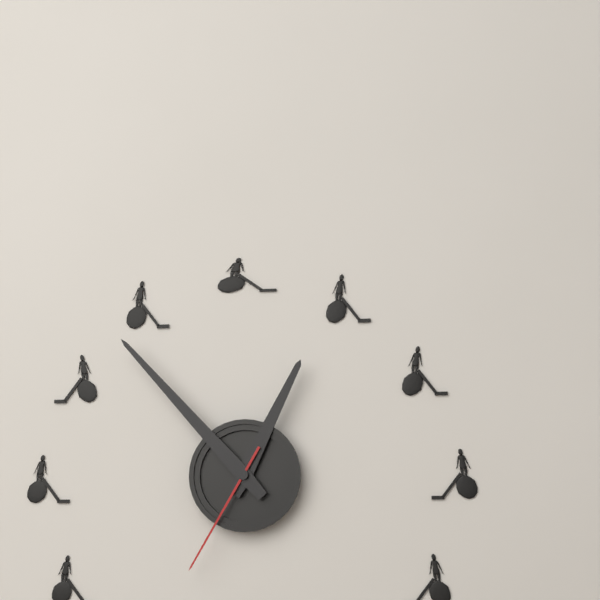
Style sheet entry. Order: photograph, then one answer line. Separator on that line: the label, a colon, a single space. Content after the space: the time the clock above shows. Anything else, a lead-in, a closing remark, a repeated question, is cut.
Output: 12:53:35
